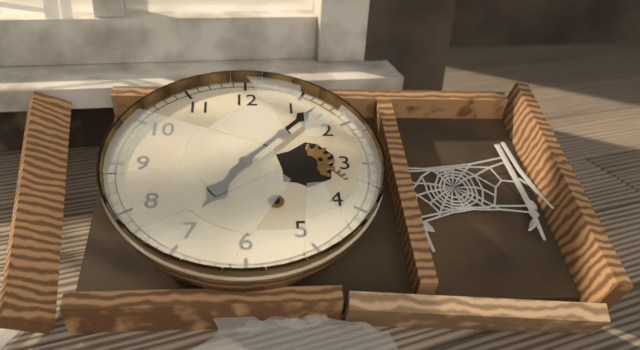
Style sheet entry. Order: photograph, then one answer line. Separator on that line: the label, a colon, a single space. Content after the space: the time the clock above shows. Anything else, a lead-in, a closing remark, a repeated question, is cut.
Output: 7:07
